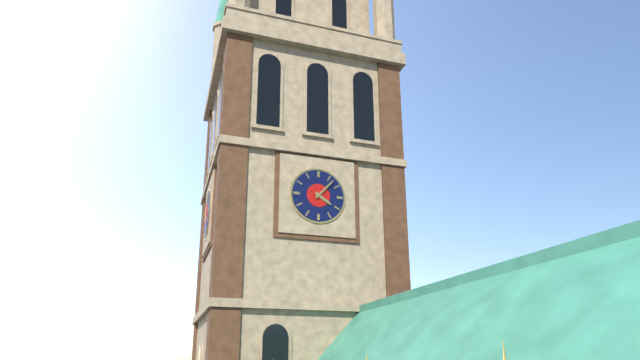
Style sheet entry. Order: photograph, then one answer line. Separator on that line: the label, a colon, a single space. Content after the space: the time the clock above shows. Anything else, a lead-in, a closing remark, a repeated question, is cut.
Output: 4:07
